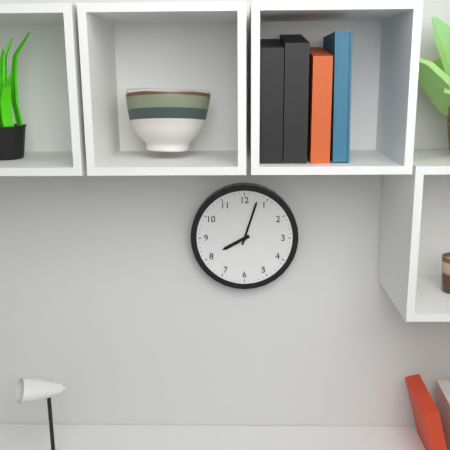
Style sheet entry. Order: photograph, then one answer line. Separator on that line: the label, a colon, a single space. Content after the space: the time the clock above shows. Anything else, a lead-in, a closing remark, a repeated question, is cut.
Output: 8:03
